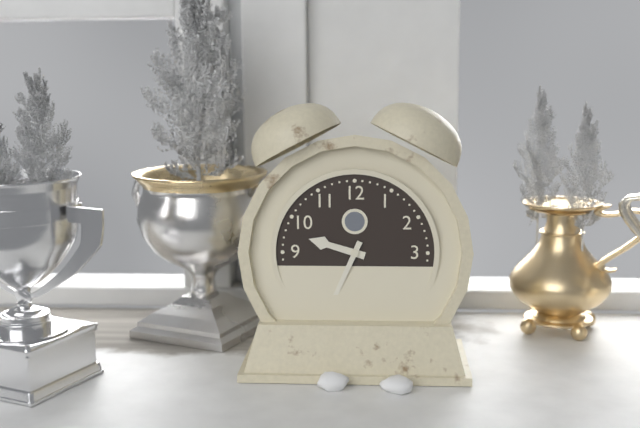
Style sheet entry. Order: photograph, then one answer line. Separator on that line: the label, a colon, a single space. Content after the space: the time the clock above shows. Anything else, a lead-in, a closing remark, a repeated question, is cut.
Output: 9:34
